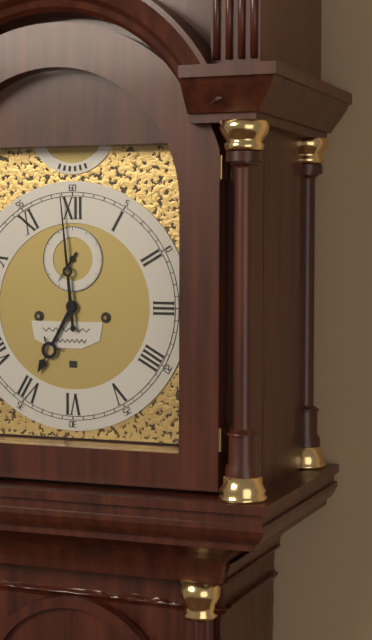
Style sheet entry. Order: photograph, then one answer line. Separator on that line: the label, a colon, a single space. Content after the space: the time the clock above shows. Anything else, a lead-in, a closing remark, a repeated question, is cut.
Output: 6:59
